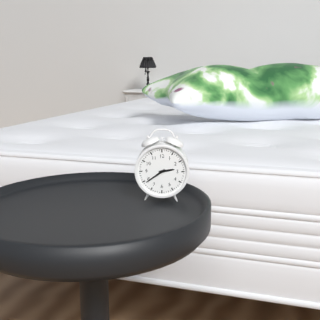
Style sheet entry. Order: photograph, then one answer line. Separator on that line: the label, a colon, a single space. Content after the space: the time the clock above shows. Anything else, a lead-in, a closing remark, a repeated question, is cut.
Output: 2:39
